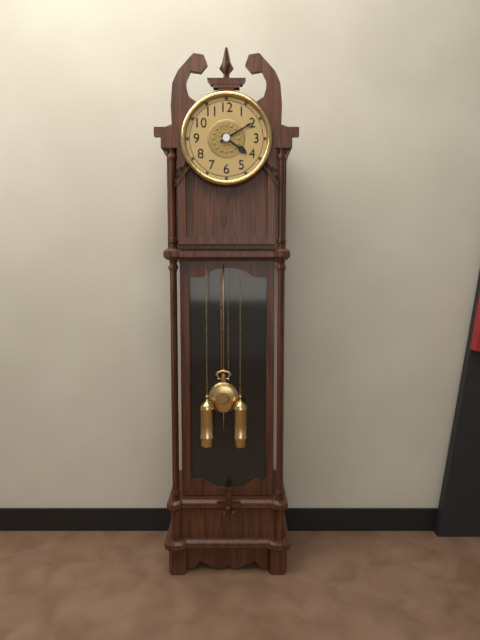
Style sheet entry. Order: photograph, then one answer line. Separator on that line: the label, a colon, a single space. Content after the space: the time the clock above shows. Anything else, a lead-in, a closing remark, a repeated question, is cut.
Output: 4:10
